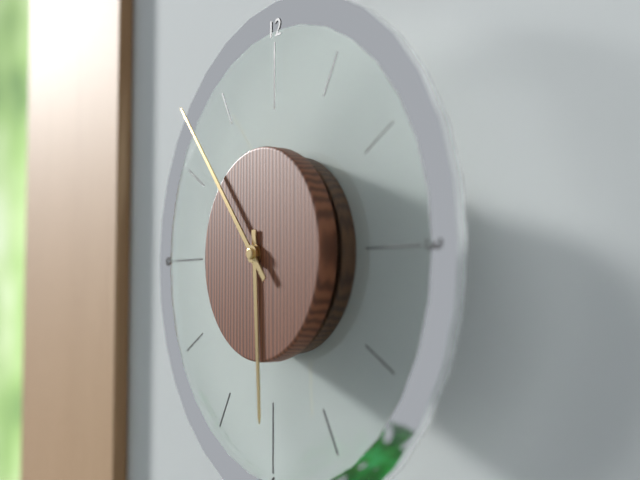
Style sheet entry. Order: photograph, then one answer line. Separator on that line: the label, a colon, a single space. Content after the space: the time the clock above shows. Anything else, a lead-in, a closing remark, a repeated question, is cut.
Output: 5:53
